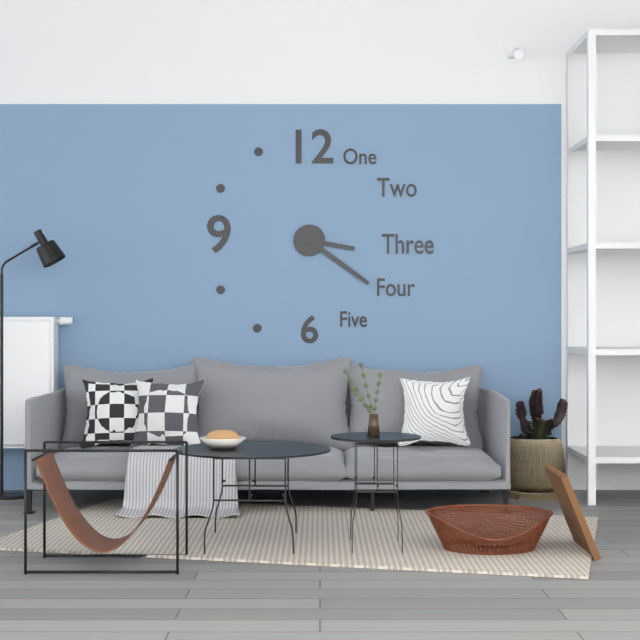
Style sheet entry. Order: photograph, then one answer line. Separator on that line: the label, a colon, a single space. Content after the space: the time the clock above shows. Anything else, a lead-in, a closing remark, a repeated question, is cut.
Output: 3:21
